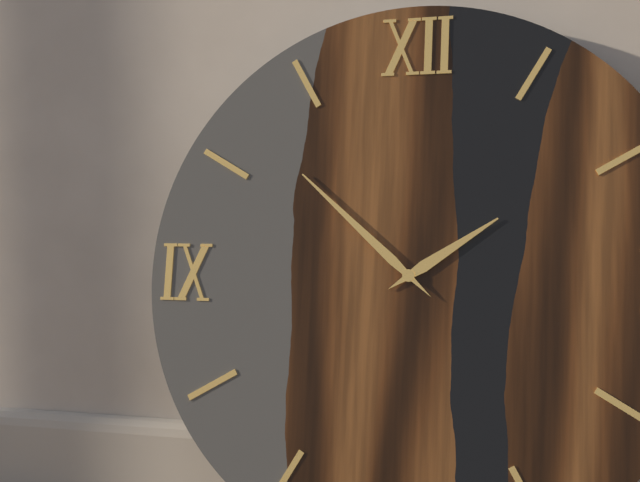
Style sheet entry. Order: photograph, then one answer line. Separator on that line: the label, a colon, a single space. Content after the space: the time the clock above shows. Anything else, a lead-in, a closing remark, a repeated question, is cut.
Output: 1:52
